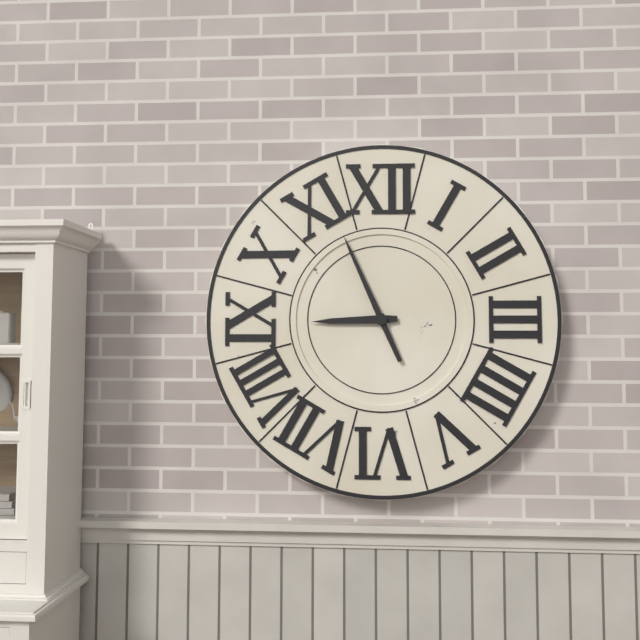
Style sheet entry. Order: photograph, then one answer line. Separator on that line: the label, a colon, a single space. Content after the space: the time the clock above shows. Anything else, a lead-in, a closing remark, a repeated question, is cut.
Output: 8:56
